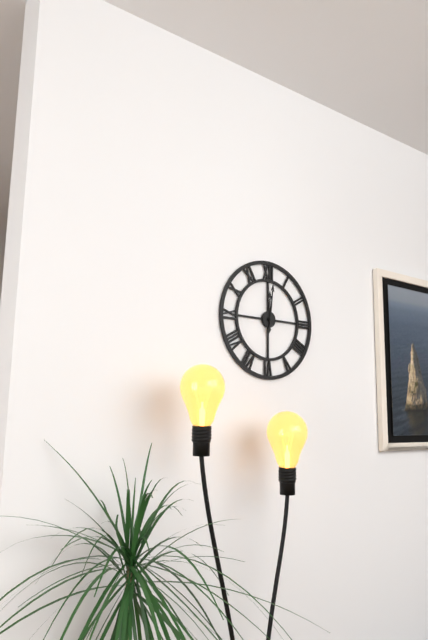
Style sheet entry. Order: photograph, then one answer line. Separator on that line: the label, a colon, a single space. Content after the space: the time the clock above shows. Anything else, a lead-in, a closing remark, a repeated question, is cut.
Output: 12:01
